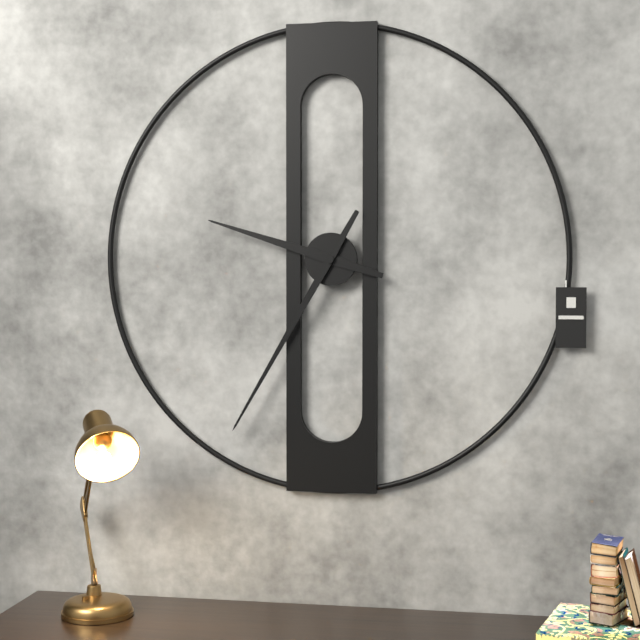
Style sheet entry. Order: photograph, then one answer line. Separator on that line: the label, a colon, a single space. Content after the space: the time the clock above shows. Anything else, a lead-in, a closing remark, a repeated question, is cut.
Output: 9:35
